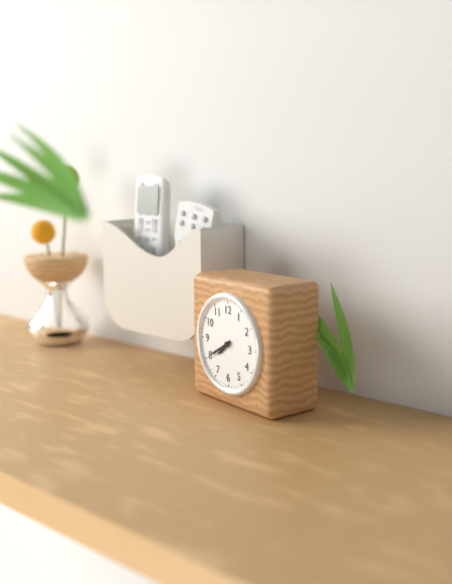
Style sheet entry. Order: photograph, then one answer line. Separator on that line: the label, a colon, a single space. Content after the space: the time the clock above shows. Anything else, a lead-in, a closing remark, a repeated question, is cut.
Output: 7:40
